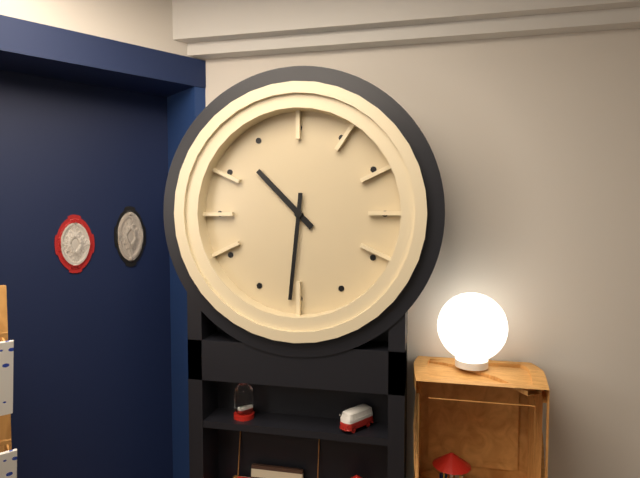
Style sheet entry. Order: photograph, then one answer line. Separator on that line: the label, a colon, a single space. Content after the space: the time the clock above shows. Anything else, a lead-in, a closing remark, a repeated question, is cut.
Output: 10:31
